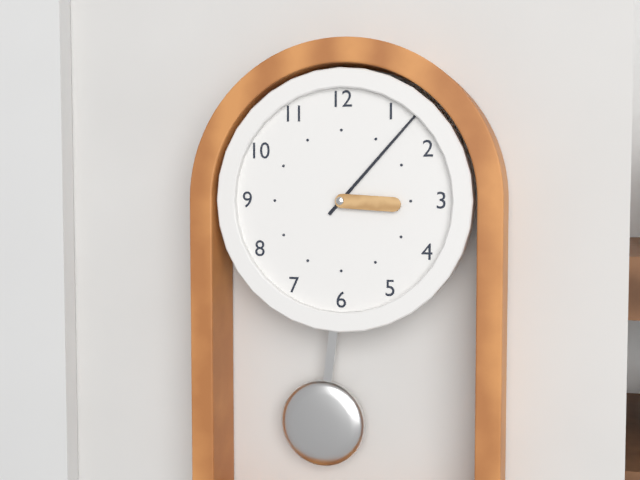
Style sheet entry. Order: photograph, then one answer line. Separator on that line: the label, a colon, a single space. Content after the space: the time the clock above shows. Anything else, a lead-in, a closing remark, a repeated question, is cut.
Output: 3:07
